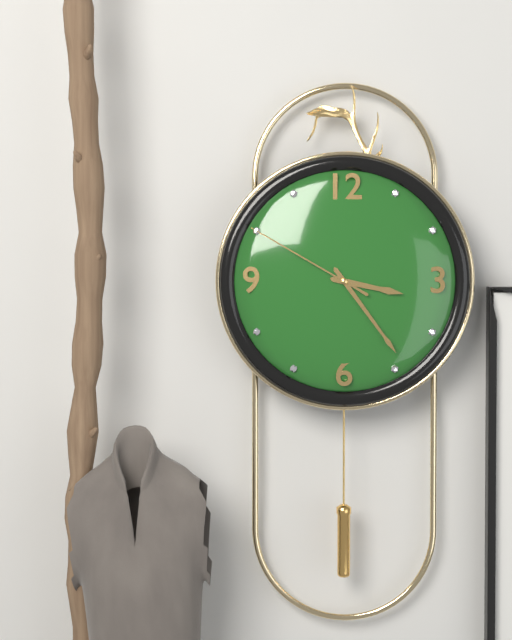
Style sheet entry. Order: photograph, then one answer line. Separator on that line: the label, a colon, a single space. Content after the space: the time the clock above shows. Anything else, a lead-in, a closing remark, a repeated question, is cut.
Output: 3:24:50
